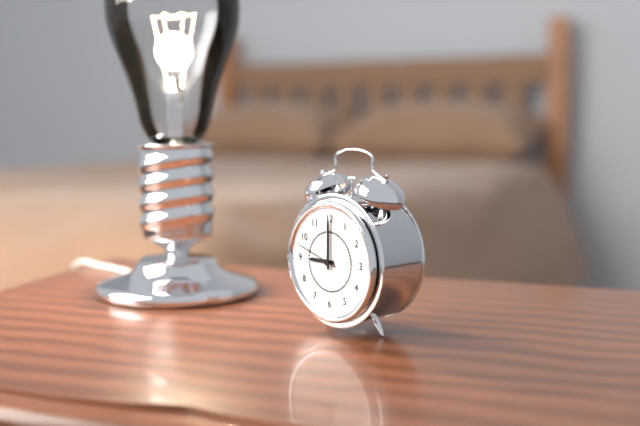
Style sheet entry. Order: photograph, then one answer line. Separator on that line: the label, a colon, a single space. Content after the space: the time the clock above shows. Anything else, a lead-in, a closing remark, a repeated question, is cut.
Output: 9:00
